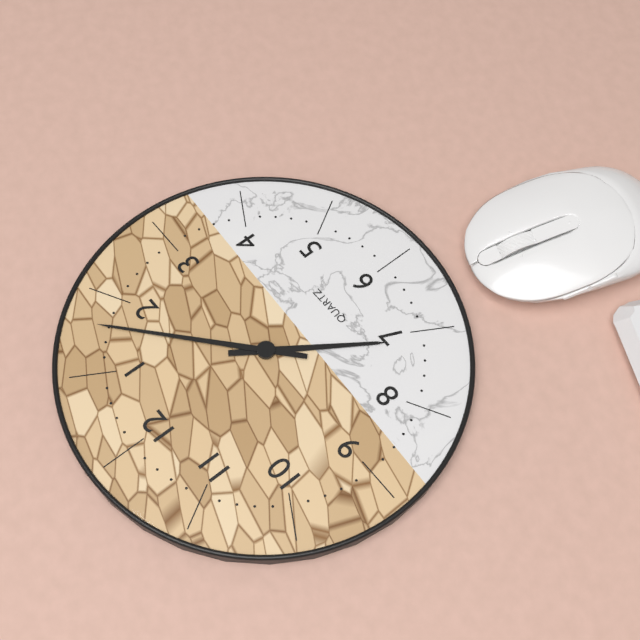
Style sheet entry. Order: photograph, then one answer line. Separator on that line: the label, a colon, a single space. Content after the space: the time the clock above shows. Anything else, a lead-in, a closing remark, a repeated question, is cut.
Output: 7:08
